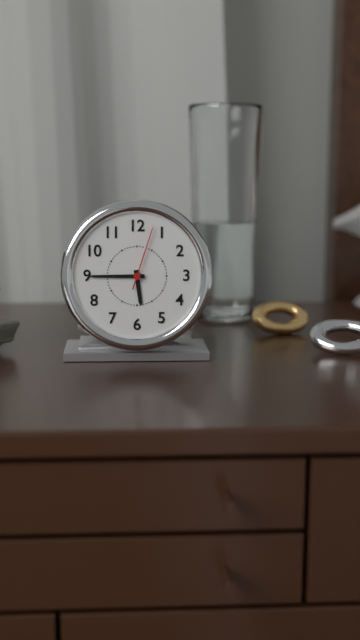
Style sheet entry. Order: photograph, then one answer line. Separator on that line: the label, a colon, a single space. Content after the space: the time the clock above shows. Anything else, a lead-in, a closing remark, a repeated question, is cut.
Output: 5:45:03
